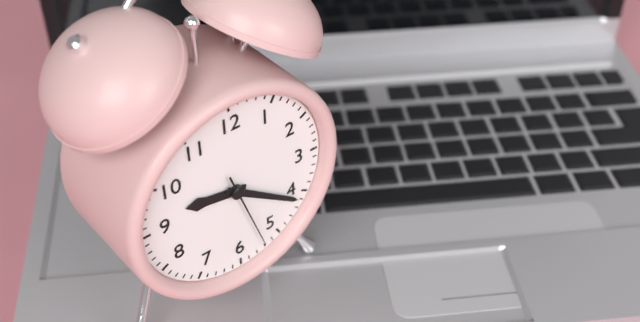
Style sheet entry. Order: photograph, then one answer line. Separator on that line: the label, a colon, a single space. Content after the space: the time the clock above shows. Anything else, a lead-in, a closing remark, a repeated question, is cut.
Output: 9:21:27
